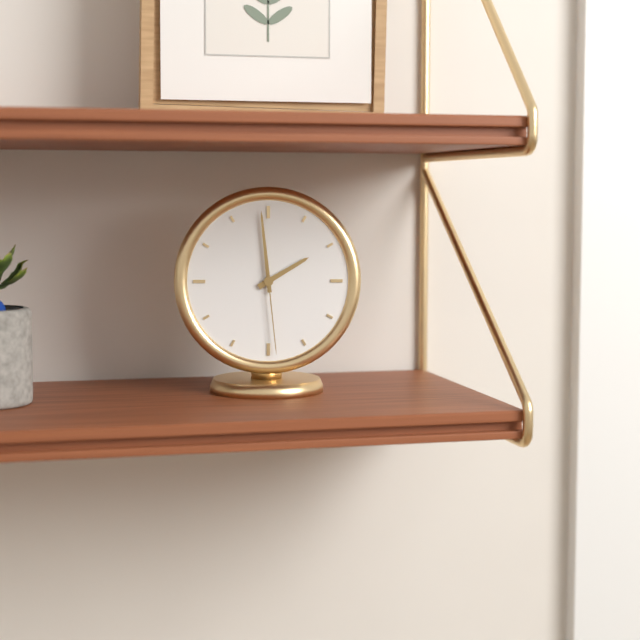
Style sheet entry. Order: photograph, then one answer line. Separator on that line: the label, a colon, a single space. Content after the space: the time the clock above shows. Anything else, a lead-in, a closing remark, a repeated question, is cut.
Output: 1:59:29
